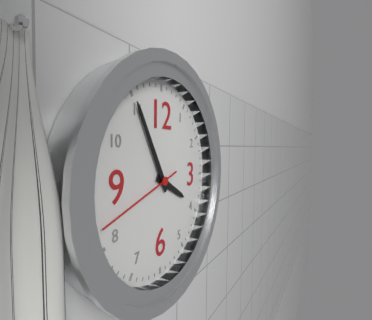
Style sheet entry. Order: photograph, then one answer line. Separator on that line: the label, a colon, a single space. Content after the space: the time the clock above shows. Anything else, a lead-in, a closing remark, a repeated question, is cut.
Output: 3:55:42
